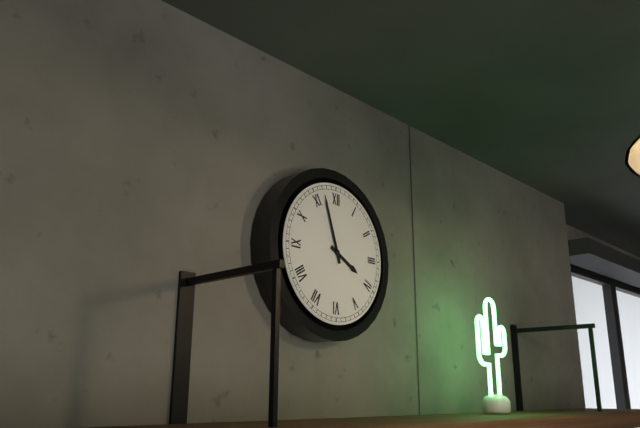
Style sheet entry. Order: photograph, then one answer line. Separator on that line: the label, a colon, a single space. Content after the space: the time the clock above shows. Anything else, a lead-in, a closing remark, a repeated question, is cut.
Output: 3:57
